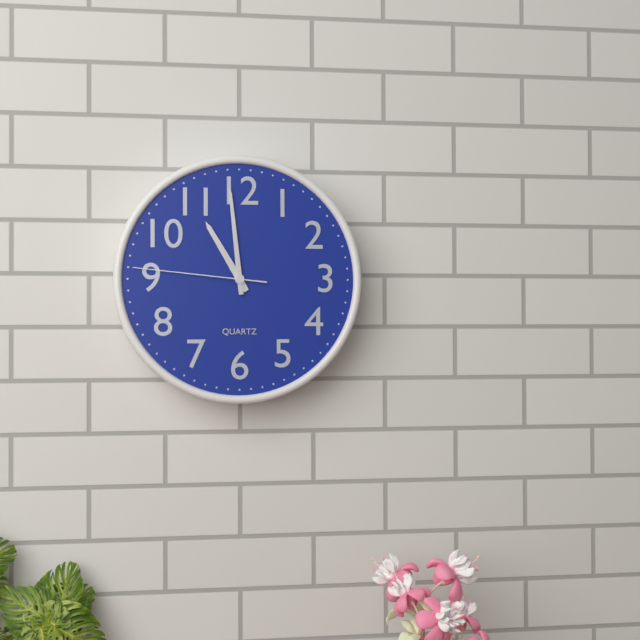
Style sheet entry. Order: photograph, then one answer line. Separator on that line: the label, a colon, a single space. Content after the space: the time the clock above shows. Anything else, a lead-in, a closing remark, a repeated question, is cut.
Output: 10:59:46
